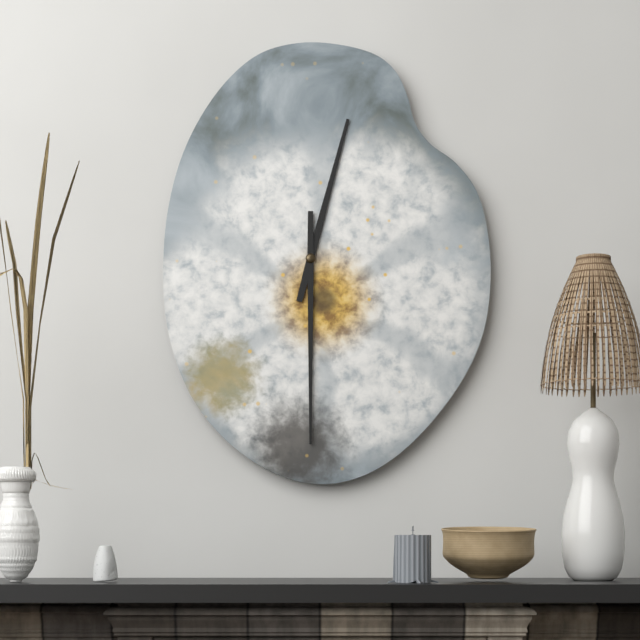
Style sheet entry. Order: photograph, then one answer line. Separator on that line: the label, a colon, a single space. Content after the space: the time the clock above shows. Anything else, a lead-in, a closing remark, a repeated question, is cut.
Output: 12:30
